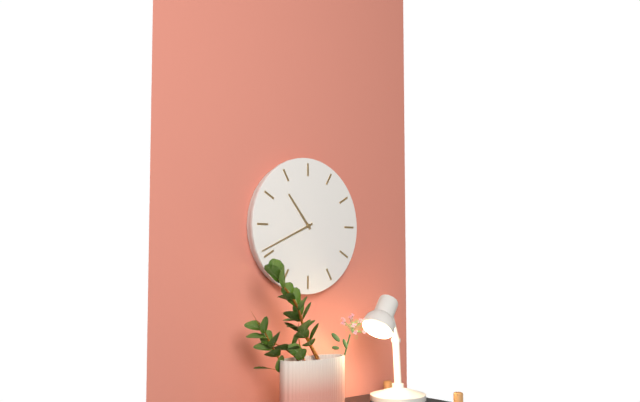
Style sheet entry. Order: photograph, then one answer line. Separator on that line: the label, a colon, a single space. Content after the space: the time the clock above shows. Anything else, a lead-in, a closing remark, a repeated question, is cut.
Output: 10:41
